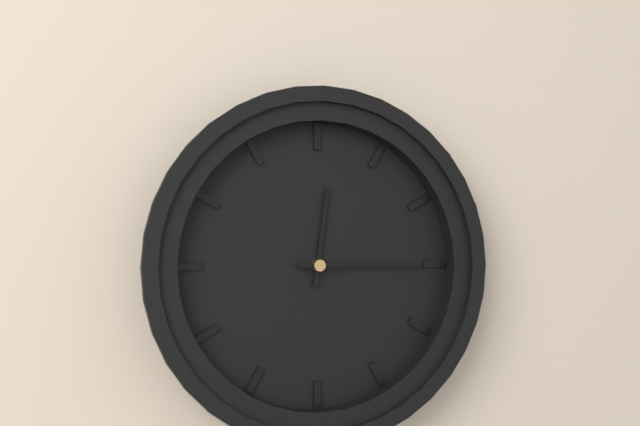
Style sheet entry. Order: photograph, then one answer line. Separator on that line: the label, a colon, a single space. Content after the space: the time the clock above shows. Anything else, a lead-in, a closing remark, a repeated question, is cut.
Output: 12:15
